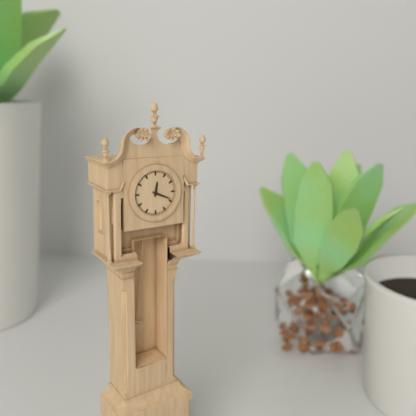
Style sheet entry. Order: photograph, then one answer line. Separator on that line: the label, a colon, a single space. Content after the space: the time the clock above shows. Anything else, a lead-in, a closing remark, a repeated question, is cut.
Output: 12:19
